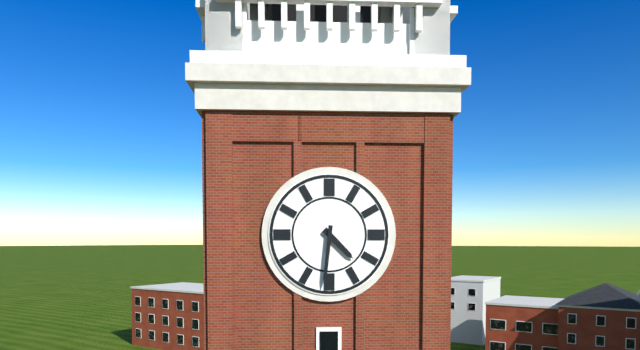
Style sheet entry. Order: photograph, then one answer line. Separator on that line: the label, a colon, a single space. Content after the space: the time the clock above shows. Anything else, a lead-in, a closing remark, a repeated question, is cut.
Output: 4:31
